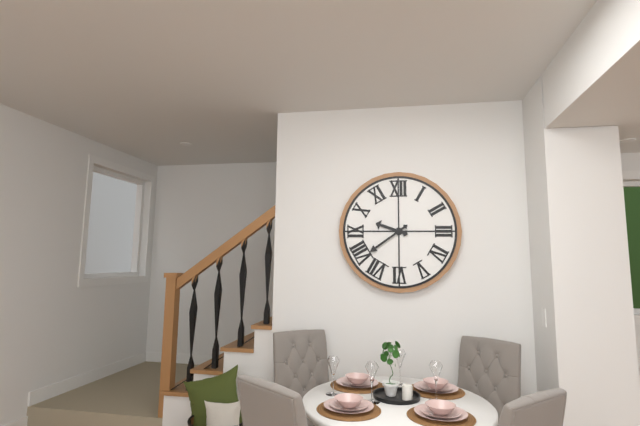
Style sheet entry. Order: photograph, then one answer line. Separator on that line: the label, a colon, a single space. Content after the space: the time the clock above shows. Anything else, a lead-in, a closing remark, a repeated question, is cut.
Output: 9:39
